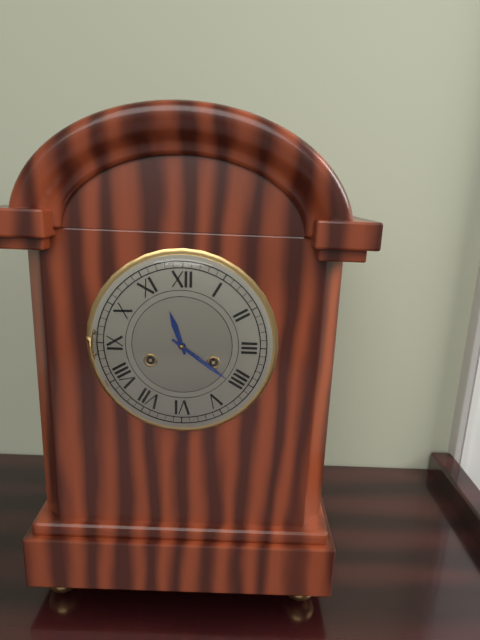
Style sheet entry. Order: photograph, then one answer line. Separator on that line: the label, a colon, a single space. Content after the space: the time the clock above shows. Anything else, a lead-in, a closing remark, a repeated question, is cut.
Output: 11:21
